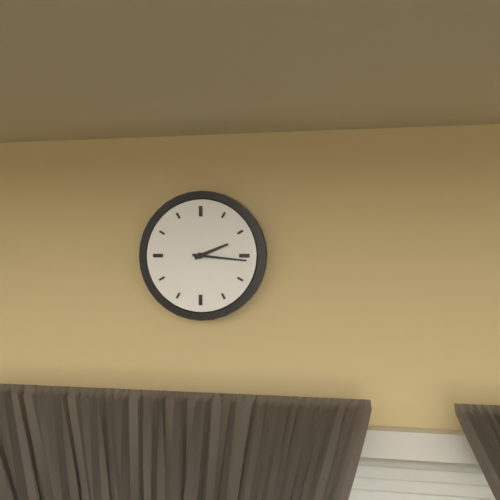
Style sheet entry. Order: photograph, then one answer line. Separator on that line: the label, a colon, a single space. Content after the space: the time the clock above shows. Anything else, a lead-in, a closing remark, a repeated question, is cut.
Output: 2:16
